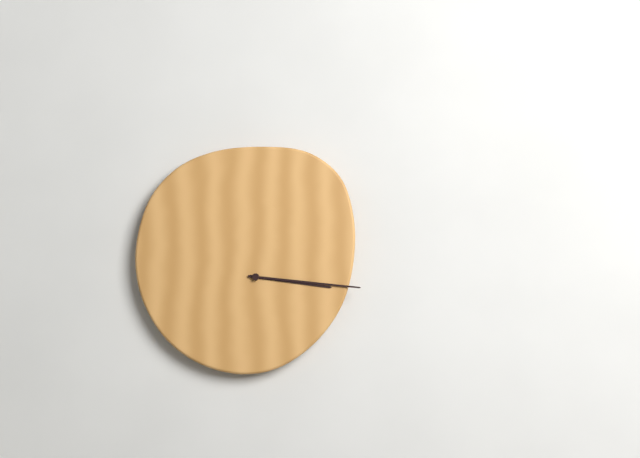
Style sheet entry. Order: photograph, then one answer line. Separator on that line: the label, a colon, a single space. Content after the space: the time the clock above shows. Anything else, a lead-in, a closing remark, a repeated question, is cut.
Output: 3:16
